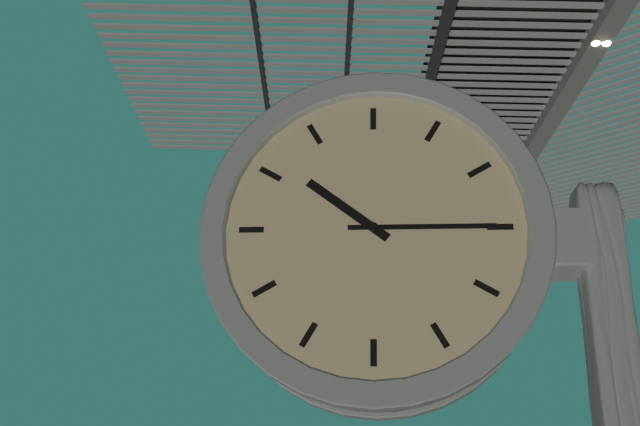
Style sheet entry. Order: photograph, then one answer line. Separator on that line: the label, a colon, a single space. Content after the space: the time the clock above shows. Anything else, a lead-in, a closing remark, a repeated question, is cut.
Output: 10:15
